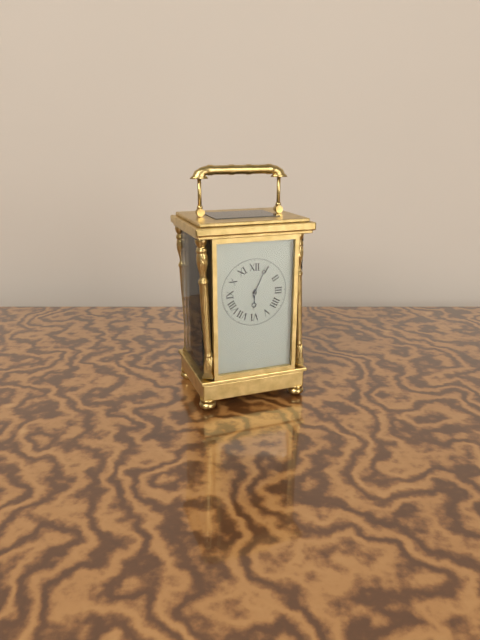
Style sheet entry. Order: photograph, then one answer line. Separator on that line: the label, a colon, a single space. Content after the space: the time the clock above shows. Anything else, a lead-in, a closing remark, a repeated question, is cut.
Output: 6:04
